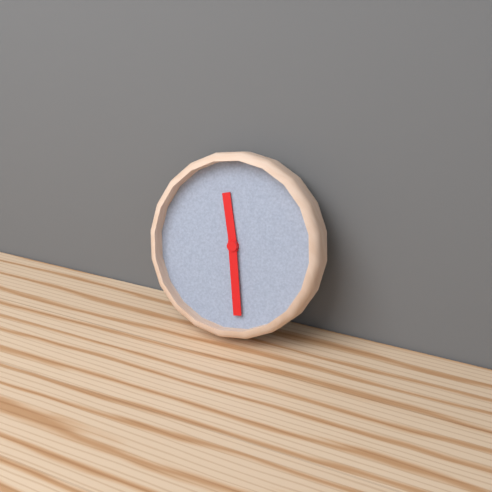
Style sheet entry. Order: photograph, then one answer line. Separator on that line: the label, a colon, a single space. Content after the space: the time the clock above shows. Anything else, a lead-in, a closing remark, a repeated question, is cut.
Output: 11:28
